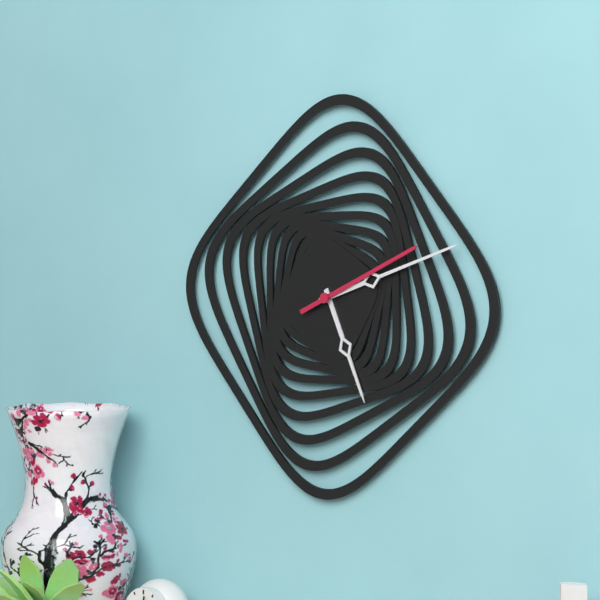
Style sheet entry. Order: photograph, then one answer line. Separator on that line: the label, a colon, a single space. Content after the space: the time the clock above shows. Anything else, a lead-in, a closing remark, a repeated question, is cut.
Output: 5:12:11
